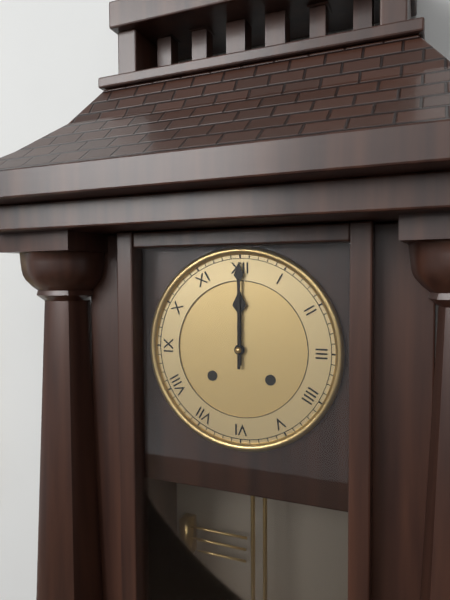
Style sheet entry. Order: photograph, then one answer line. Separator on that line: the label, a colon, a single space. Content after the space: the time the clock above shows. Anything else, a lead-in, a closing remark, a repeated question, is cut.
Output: 12:00
